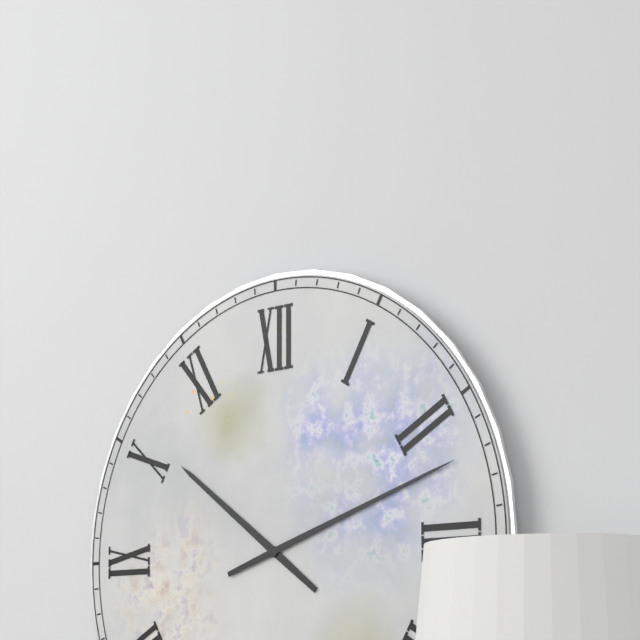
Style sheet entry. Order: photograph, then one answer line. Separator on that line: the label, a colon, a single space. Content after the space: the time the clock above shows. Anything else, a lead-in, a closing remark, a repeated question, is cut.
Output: 10:12
